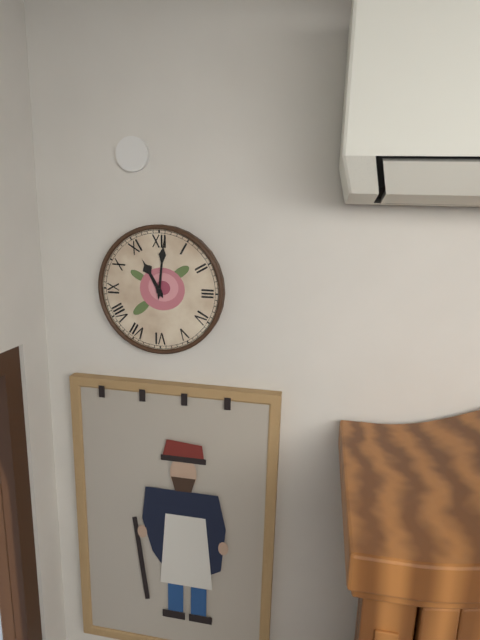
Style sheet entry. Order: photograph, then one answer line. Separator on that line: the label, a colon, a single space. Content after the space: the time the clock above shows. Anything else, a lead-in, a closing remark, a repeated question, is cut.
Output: 11:01
